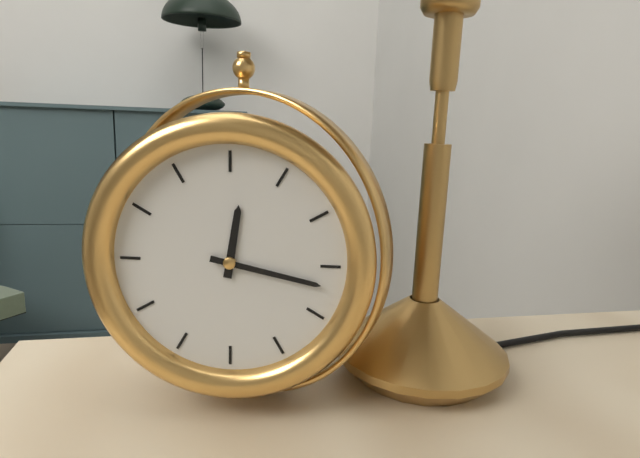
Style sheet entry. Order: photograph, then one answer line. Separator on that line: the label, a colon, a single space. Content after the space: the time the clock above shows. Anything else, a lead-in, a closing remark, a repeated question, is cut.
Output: 12:17
